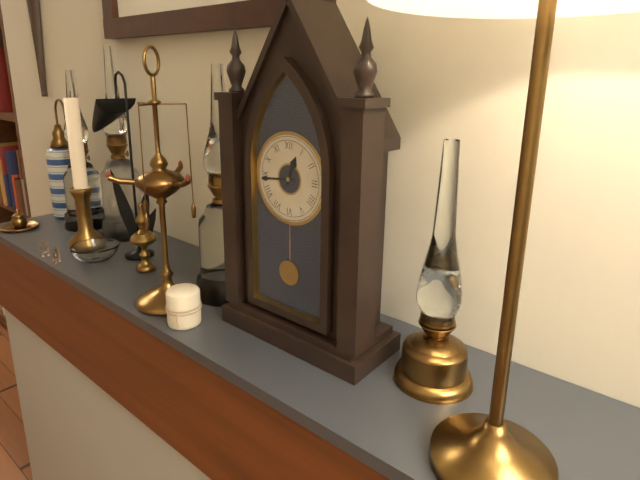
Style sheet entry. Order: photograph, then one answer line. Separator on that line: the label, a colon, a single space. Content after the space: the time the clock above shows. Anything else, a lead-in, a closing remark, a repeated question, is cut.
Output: 12:44
